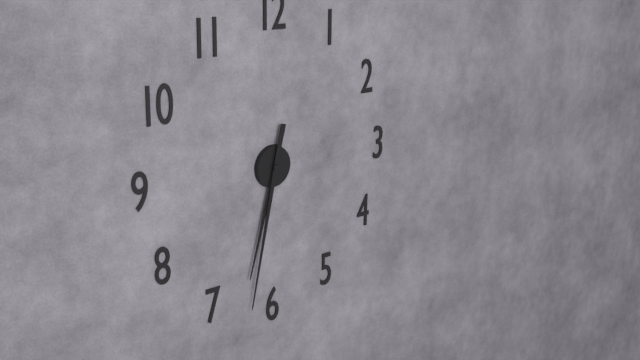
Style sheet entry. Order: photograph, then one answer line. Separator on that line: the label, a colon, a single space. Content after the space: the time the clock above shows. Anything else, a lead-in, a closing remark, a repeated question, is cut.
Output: 6:32
